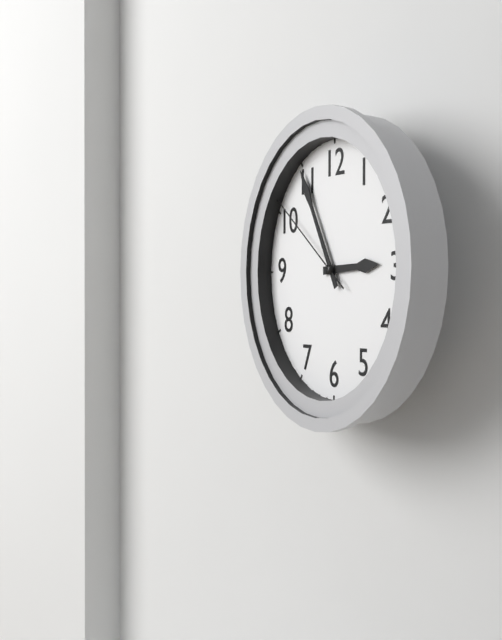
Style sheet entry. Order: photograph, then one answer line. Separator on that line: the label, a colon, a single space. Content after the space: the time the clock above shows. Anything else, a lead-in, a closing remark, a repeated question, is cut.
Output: 2:55:51
